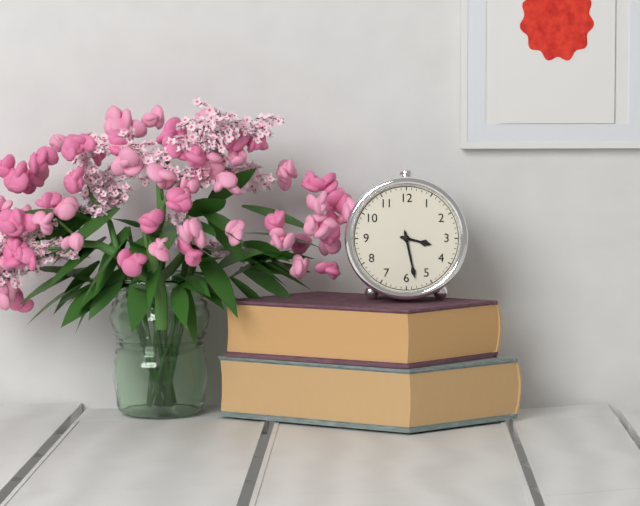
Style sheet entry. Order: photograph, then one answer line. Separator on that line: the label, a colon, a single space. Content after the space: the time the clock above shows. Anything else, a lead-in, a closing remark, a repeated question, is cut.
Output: 3:28
